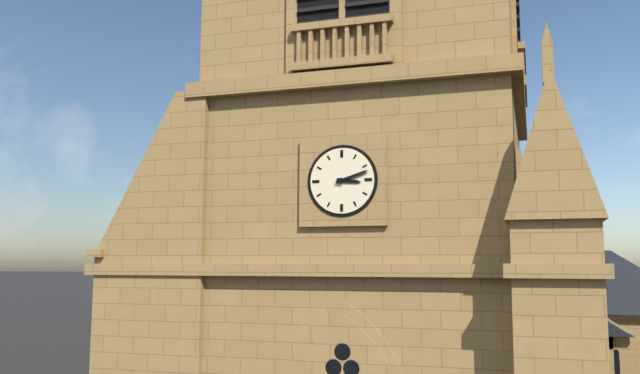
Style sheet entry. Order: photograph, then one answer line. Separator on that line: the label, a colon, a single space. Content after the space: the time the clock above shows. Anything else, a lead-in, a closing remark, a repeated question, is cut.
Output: 3:12
